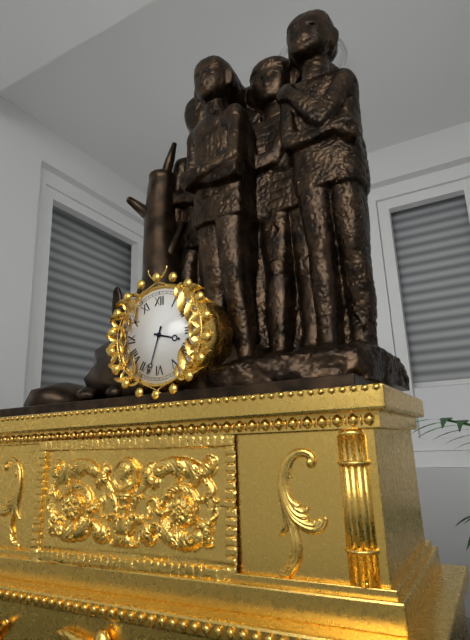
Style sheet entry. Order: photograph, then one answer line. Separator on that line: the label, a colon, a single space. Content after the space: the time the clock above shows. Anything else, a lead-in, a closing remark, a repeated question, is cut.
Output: 3:33
